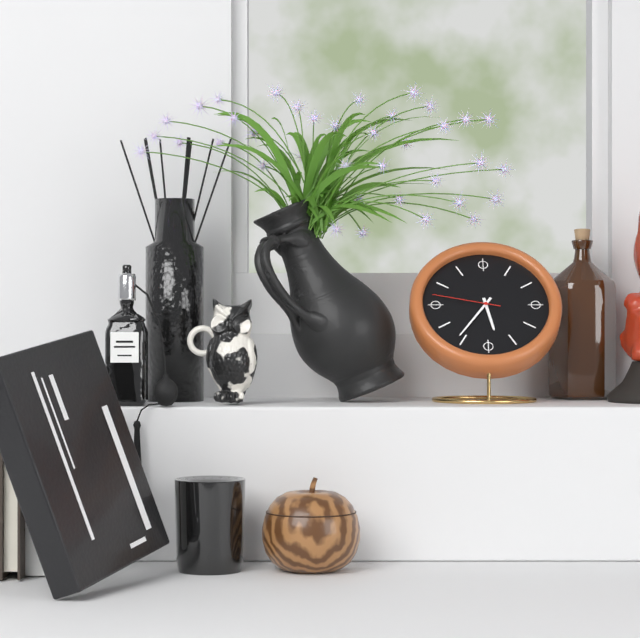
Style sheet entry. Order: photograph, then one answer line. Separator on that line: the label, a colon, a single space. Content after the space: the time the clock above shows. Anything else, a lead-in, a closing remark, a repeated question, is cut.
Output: 5:36:47
